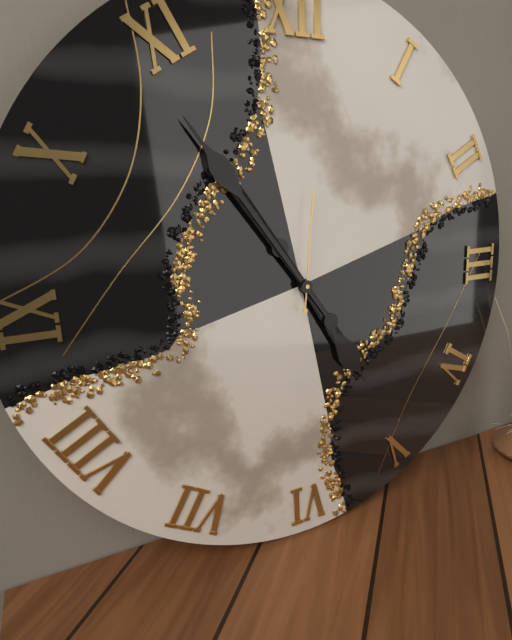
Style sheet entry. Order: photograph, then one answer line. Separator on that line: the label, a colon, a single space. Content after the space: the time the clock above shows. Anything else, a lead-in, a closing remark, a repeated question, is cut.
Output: 4:54:01
